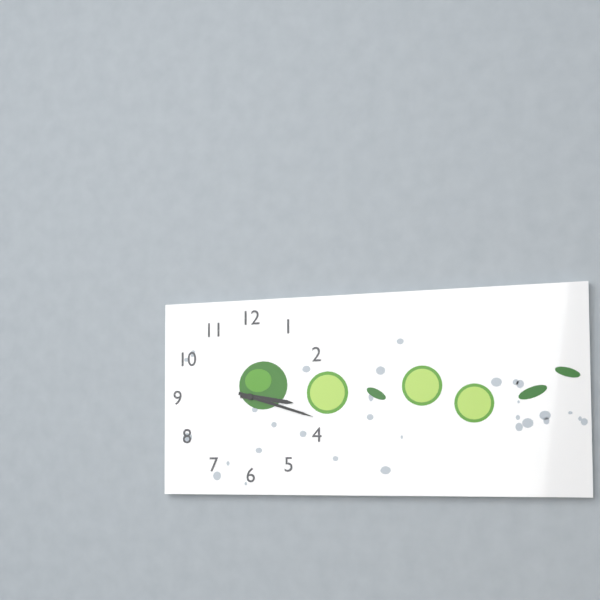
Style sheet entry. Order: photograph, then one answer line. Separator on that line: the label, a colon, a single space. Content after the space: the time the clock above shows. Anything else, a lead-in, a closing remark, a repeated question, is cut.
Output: 3:18
